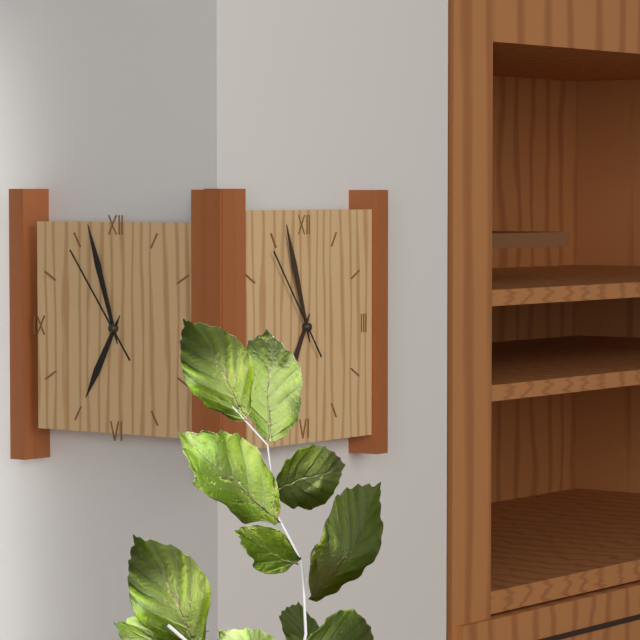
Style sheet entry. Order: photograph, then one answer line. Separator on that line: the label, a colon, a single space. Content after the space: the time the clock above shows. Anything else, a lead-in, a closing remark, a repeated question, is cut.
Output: 6:57:54
